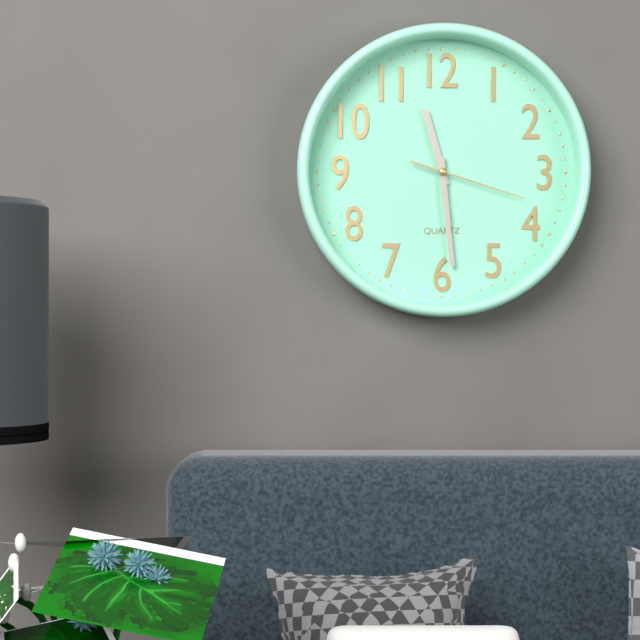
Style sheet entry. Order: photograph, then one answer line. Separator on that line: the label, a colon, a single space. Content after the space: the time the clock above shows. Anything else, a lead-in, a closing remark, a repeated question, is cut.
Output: 11:29:18
